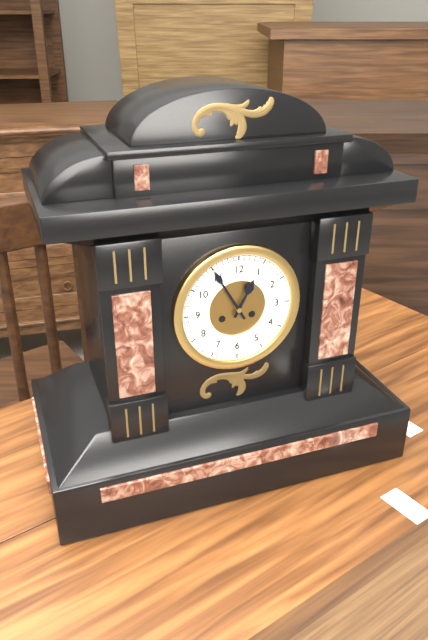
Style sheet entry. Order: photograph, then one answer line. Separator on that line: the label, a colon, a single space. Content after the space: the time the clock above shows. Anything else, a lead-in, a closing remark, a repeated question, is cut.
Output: 12:55
